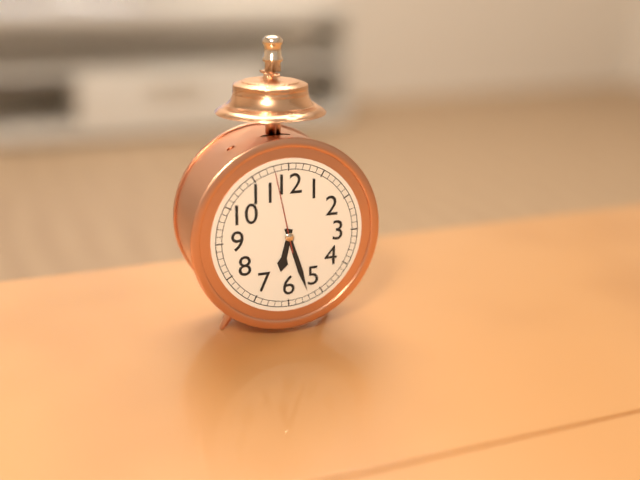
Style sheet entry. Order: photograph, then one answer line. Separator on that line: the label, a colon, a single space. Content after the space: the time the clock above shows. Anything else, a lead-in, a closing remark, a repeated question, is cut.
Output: 6:27:58
